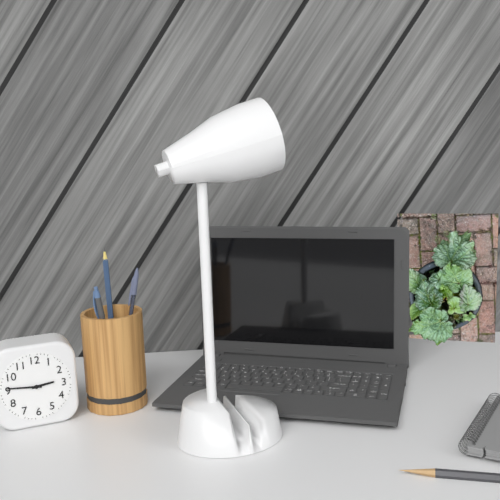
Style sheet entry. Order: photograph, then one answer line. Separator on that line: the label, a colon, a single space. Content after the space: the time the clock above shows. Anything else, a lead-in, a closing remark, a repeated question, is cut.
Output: 2:46
